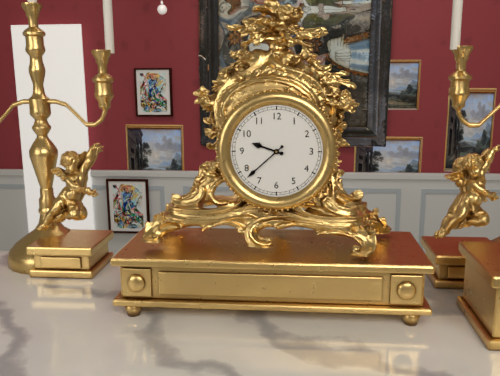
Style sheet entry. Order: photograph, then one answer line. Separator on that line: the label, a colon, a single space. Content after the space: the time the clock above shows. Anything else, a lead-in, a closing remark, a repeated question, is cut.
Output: 9:38
